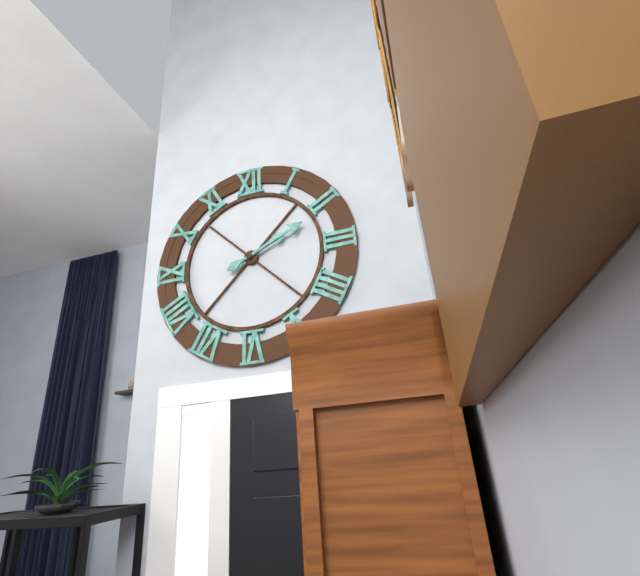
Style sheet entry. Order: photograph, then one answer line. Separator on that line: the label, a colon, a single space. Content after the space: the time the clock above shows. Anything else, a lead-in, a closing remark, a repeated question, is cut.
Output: 2:11
